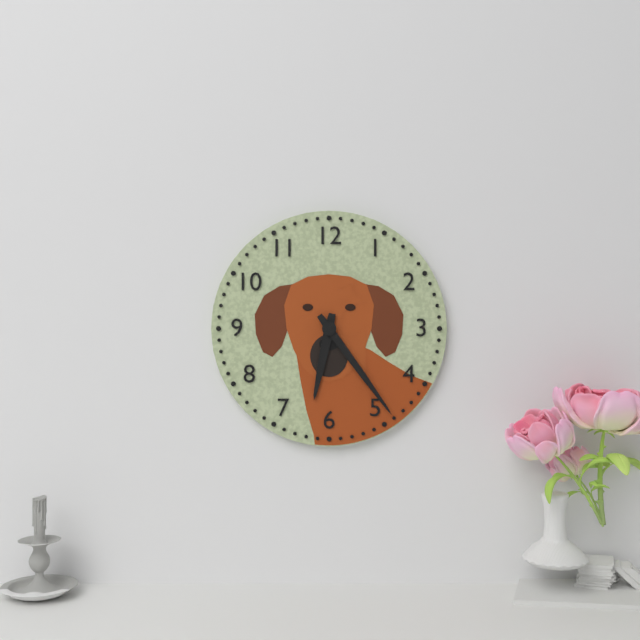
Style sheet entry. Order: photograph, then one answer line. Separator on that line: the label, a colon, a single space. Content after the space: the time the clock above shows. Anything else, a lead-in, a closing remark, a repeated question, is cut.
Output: 6:24
